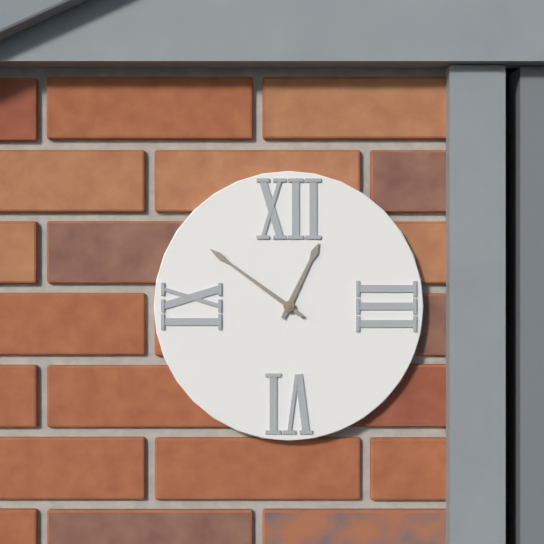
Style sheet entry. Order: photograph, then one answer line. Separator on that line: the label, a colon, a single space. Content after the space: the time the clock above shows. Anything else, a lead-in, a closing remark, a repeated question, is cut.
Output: 12:51
